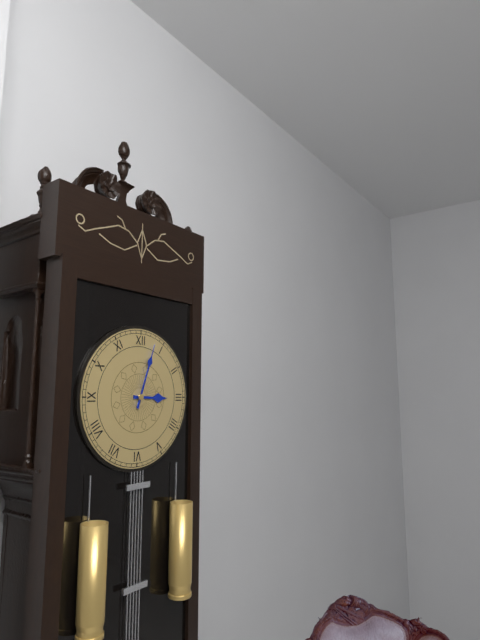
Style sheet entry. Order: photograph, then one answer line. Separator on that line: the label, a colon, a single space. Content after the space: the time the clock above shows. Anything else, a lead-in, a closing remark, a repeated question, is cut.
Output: 3:03
